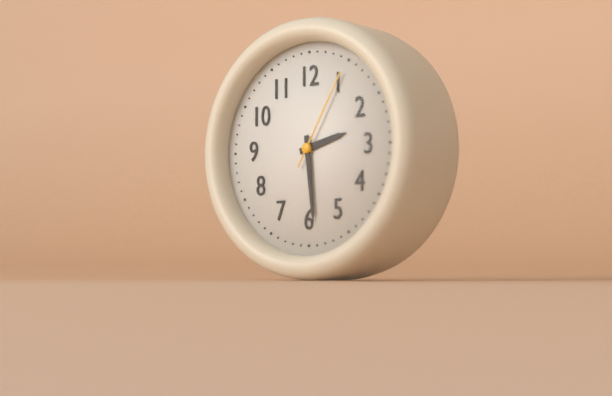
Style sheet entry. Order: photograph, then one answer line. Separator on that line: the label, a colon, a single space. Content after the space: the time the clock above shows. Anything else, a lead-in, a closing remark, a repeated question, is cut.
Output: 2:29:05
